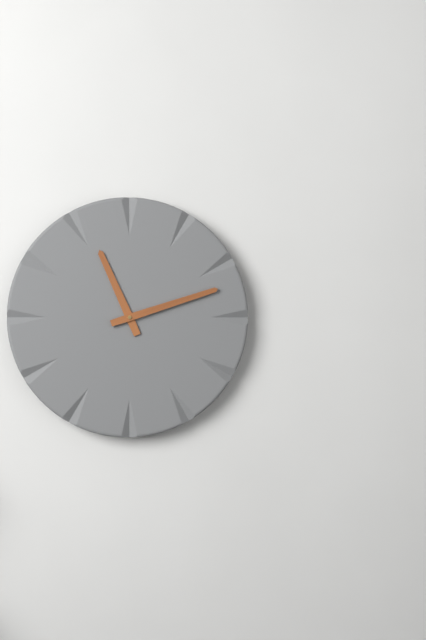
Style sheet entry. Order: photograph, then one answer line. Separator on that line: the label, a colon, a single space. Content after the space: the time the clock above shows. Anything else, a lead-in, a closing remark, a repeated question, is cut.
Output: 11:12
